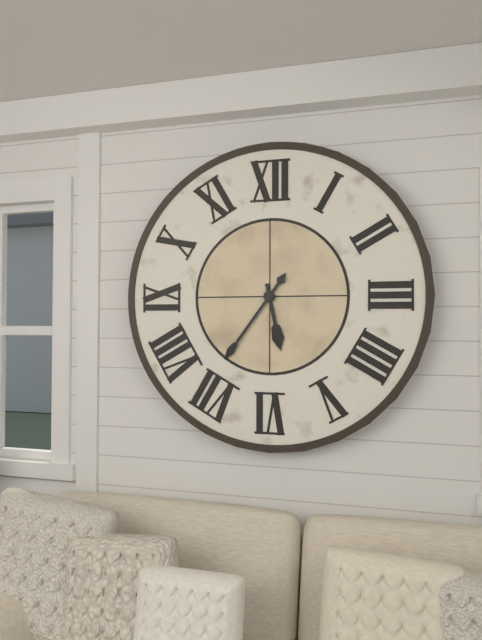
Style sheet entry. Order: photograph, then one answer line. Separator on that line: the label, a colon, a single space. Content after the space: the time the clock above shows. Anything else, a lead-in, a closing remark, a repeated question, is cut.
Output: 5:36
